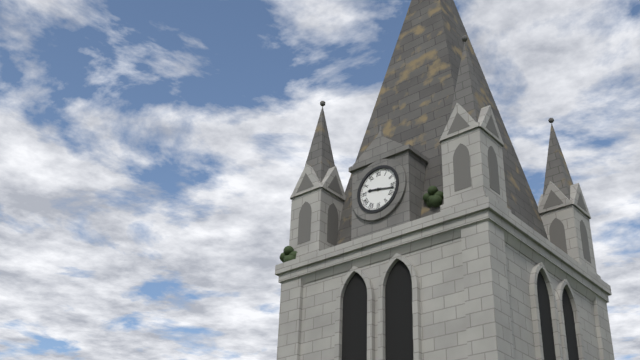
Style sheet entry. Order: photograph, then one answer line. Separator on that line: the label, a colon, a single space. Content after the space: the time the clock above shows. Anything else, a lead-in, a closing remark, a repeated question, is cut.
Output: 9:17
